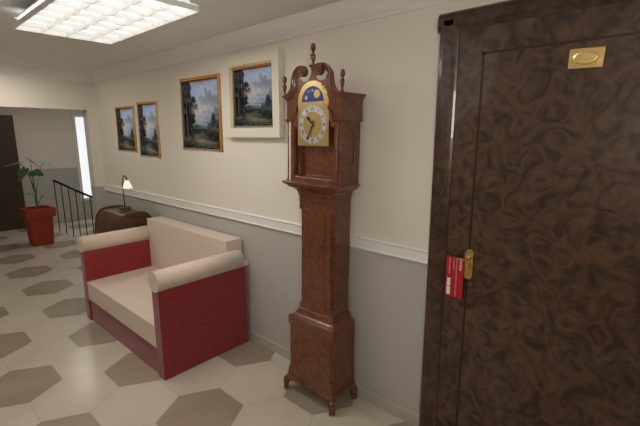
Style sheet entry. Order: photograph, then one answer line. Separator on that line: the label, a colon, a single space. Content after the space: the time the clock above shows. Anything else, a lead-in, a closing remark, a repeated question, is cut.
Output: 10:34
